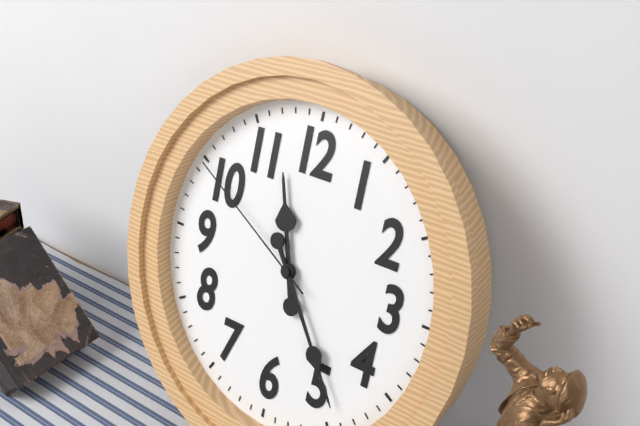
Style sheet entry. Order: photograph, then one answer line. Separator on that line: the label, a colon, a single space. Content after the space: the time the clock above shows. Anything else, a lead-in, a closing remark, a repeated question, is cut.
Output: 11:24:50
